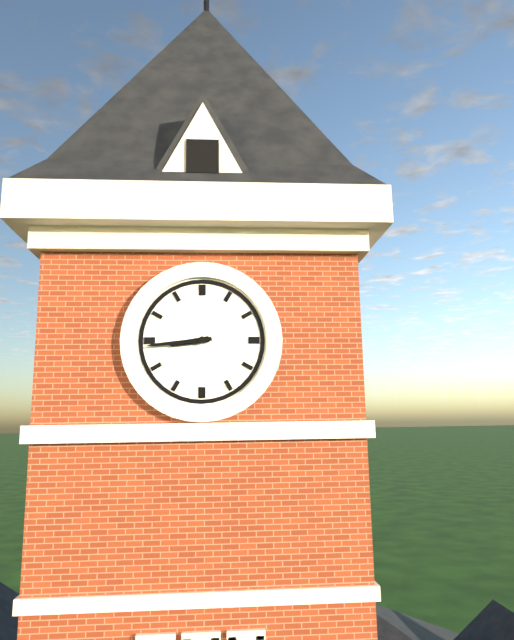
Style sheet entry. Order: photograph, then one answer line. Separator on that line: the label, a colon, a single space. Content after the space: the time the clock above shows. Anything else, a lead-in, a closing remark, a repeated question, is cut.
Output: 8:44
